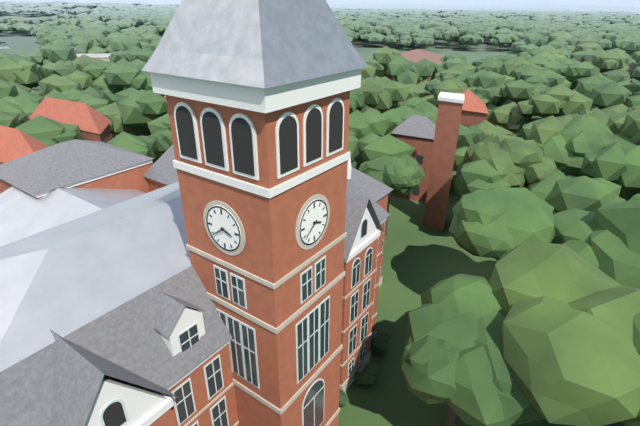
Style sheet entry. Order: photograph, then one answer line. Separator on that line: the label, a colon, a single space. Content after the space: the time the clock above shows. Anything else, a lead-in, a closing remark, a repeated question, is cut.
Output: 3:39
